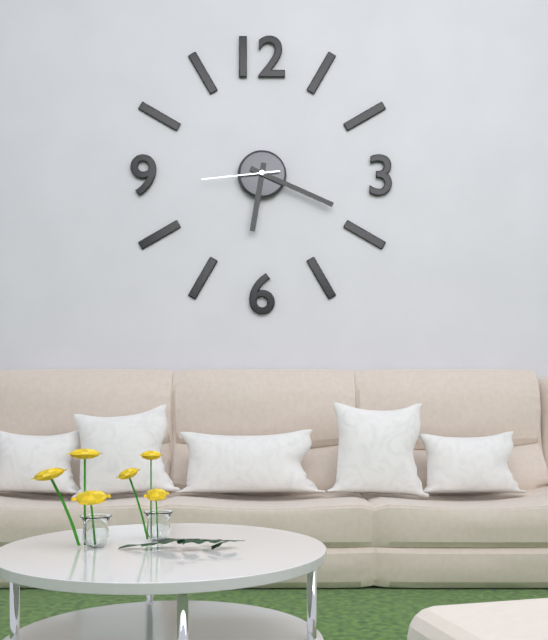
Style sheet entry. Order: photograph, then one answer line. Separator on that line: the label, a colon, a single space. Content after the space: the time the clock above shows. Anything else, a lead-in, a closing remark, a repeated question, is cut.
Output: 6:19:44
